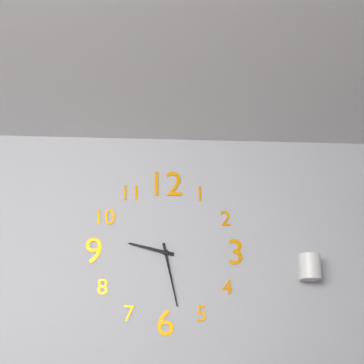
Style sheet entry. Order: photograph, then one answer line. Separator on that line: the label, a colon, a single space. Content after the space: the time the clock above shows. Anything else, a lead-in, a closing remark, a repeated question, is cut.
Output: 9:28
